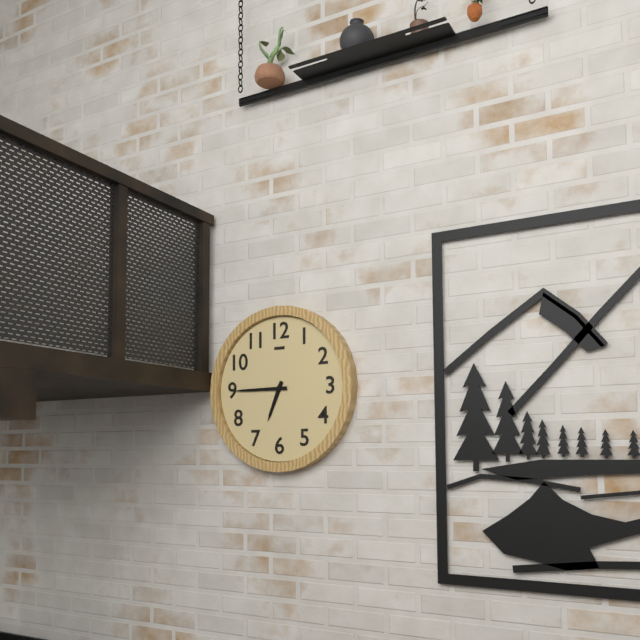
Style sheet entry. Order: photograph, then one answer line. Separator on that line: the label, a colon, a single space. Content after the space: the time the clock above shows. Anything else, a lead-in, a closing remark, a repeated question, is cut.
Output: 6:45
